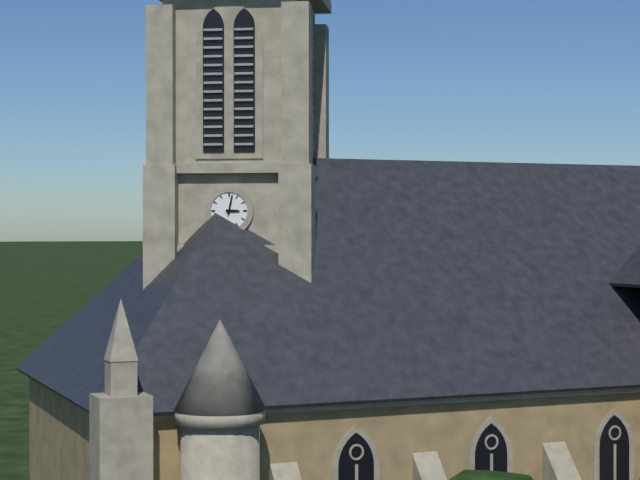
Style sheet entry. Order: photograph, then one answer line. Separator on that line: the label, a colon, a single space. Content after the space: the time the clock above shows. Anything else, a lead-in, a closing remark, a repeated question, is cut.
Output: 3:02
